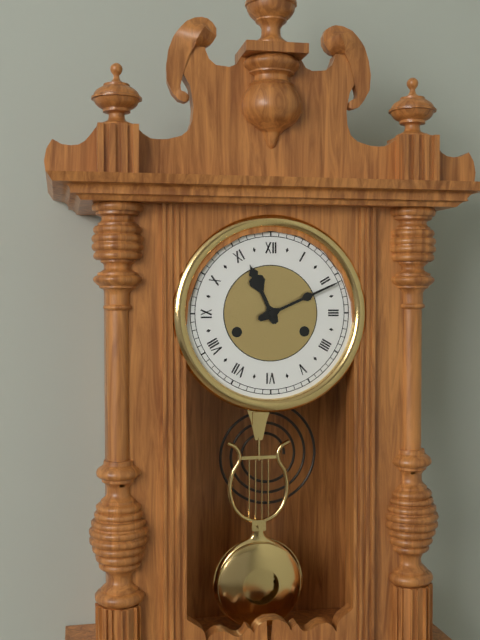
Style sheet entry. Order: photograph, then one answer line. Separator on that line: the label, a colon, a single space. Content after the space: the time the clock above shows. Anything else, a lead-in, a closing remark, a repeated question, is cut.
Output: 11:11
